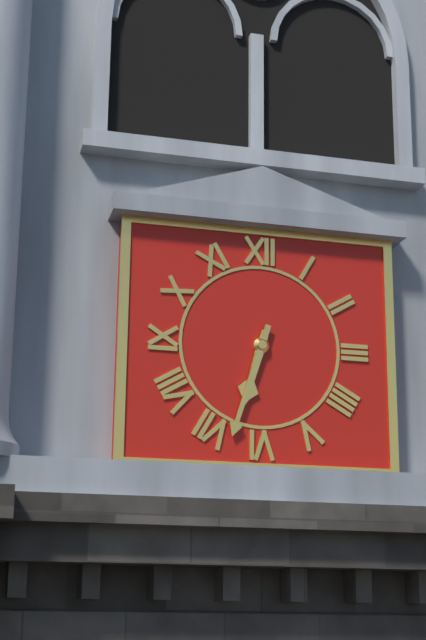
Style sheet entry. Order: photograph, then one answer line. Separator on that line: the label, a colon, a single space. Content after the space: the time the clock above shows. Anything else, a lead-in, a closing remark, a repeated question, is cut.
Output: 6:33
